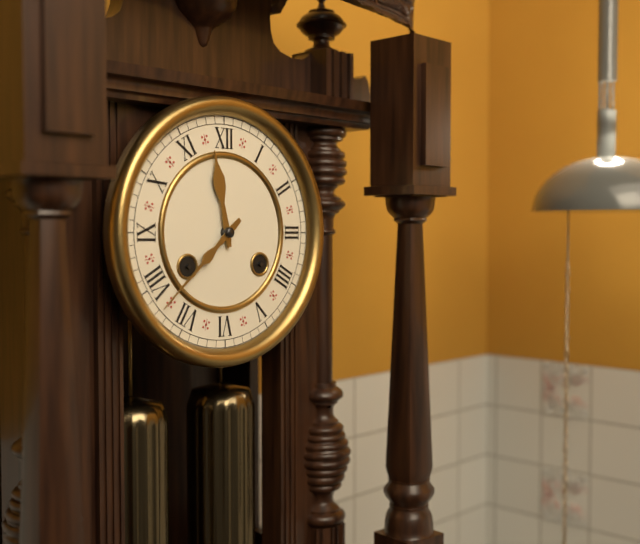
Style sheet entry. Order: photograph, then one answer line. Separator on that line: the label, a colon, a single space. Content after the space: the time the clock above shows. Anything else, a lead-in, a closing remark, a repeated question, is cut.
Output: 11:38
